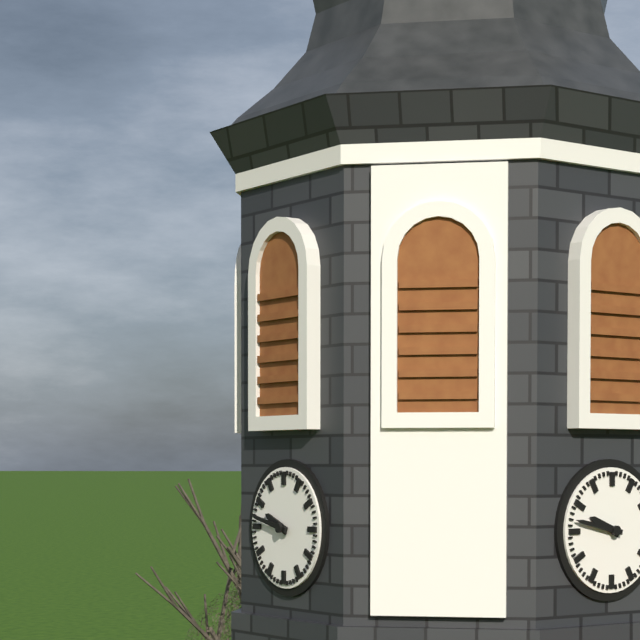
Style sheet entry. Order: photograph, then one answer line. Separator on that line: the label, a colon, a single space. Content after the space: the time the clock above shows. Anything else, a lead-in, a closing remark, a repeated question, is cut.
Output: 9:47
